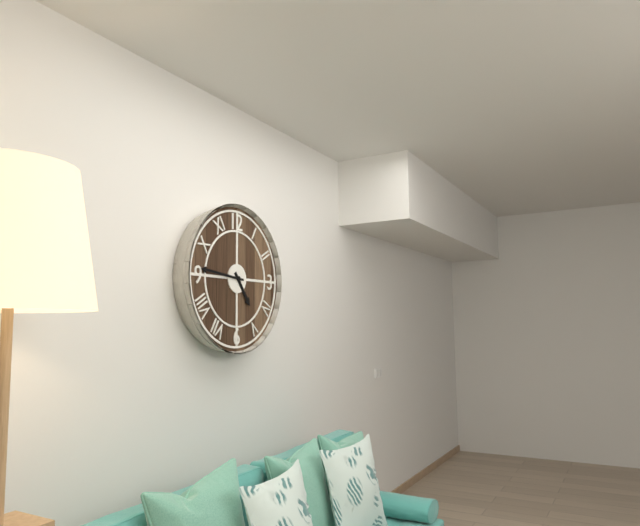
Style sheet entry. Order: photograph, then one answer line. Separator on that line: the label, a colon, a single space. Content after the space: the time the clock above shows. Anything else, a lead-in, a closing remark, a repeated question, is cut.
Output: 4:46
